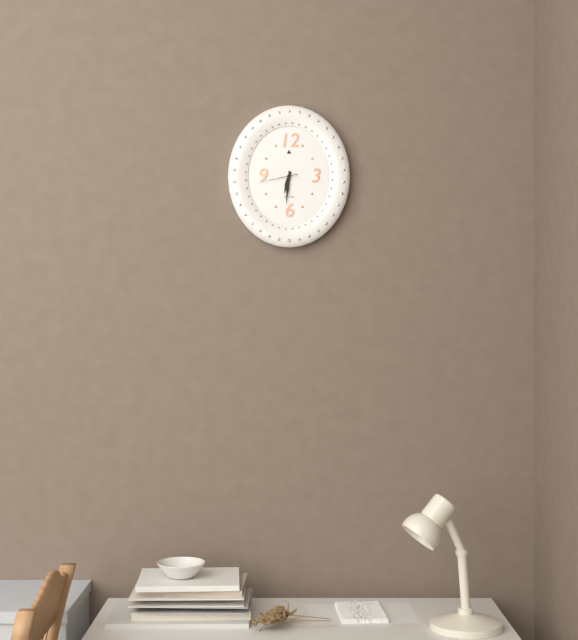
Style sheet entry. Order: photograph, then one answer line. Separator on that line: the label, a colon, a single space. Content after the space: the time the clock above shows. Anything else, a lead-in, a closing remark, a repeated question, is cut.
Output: 6:31
